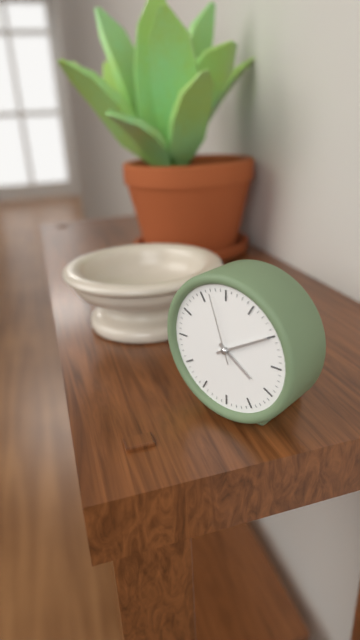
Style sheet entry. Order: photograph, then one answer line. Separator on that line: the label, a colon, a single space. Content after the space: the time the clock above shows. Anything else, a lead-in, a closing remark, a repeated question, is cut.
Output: 4:10:57
